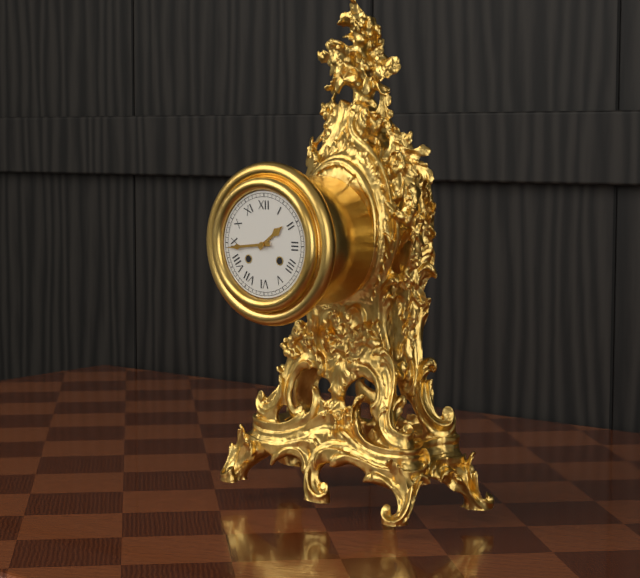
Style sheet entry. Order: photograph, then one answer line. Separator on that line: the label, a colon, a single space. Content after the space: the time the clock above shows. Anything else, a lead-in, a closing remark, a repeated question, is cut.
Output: 1:44
